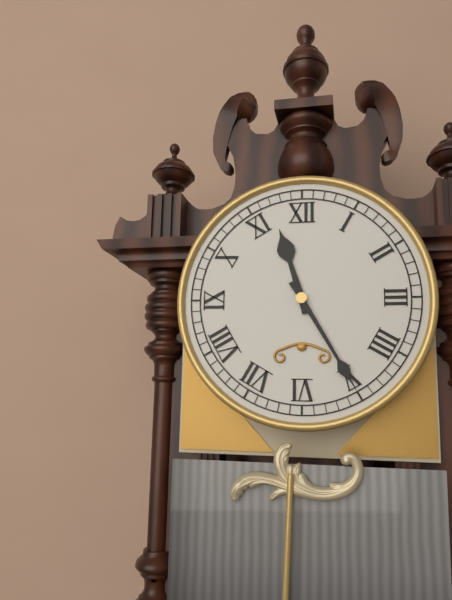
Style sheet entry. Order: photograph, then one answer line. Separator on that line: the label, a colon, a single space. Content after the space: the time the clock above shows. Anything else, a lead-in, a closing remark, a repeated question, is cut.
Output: 11:25
